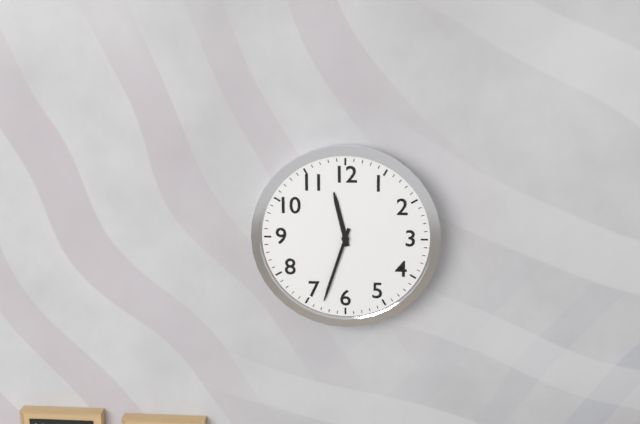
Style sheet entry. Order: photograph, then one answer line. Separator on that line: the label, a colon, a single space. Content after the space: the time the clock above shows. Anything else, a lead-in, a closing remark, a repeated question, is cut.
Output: 11:33
